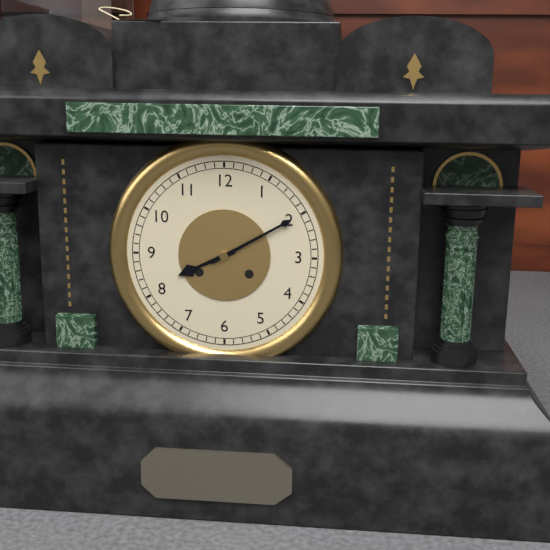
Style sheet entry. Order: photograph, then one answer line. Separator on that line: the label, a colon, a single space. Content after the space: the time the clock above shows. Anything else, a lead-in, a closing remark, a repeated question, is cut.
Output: 8:10
